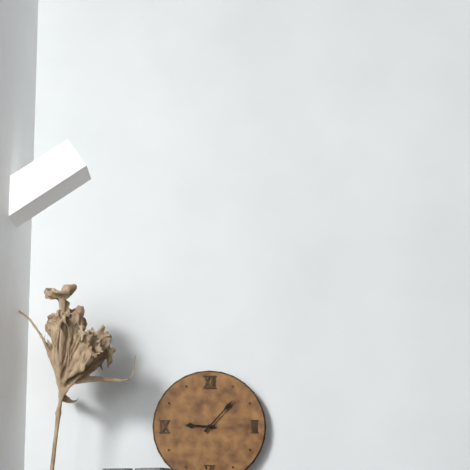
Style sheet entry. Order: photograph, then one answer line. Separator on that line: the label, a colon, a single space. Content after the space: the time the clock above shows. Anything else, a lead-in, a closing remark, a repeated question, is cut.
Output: 9:07
